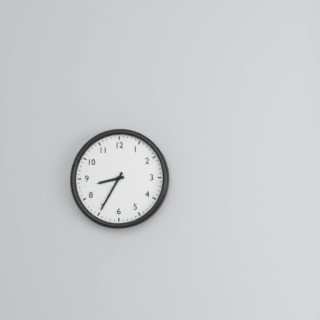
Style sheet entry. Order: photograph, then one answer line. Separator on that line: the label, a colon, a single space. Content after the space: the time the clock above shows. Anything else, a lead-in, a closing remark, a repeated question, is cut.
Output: 8:35
